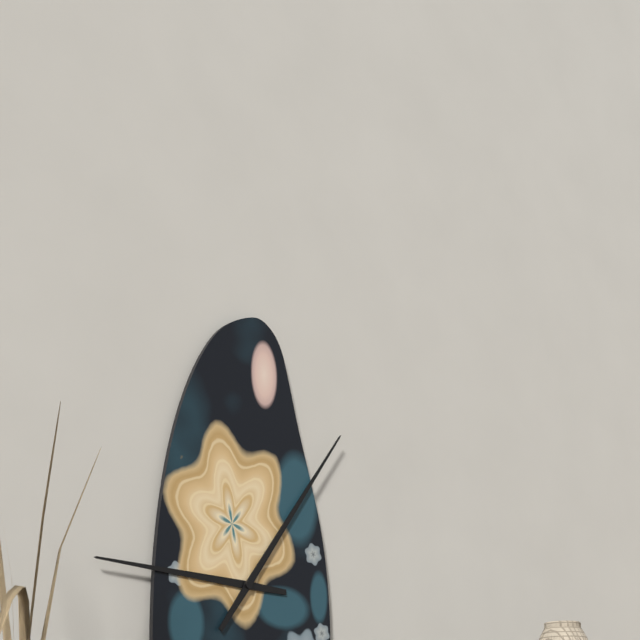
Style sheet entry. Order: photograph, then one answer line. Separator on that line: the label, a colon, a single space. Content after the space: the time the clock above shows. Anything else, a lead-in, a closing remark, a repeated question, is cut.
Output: 9:06
